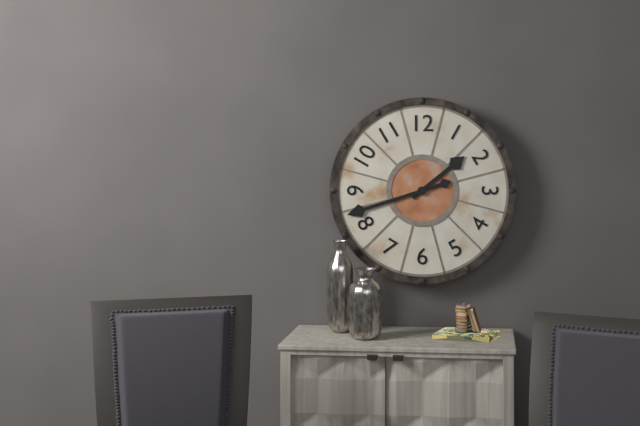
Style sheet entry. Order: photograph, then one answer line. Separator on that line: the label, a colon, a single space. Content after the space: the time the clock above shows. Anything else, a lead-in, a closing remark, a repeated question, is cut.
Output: 1:42
